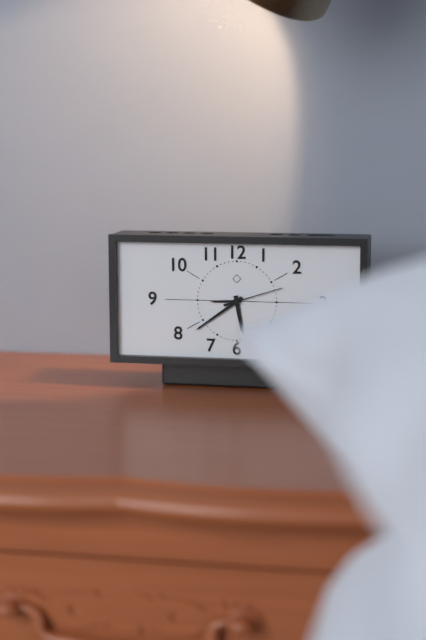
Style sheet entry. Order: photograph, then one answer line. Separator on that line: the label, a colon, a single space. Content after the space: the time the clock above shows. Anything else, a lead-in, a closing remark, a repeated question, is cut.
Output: 5:39:12
